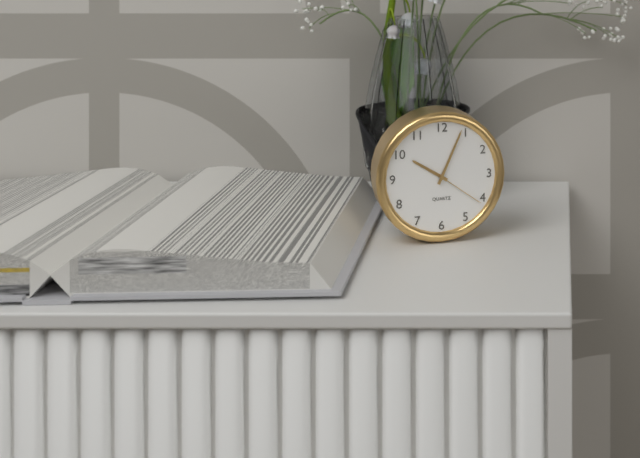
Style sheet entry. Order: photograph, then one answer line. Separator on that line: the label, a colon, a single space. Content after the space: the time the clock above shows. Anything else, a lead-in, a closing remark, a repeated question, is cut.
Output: 10:04:21
